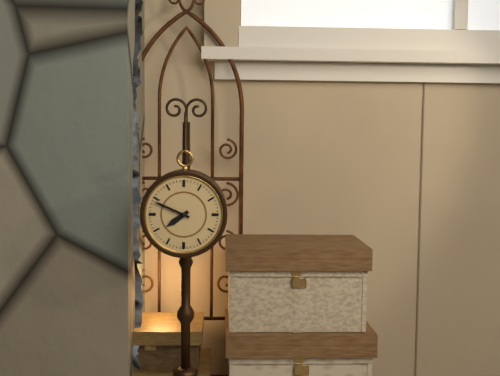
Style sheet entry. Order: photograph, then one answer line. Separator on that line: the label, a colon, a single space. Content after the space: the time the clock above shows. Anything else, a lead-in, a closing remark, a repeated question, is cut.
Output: 7:49
